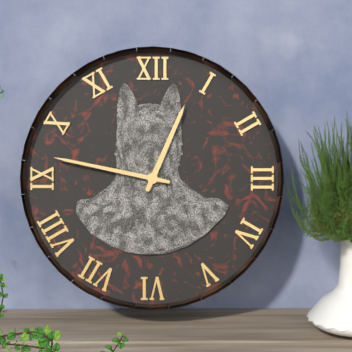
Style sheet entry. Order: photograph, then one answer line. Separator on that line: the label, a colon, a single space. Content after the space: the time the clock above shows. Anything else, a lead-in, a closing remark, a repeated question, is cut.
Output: 12:47
